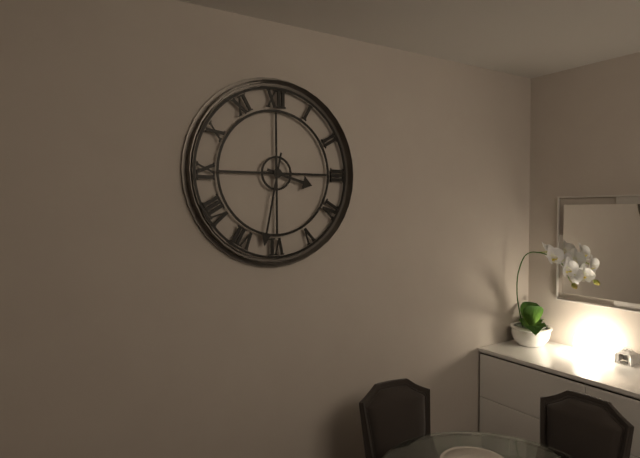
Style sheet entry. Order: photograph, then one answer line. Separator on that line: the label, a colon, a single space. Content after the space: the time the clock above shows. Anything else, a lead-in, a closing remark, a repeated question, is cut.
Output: 3:32
